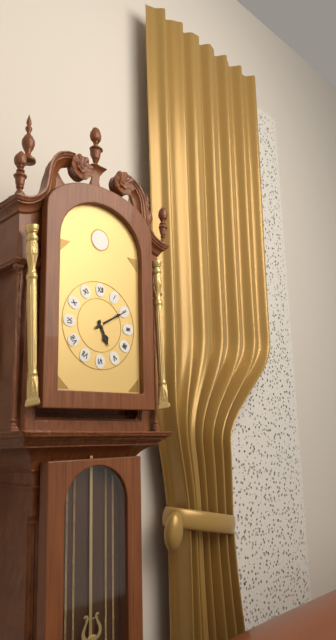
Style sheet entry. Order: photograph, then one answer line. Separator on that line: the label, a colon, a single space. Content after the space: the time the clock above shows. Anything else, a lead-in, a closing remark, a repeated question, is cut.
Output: 5:10
